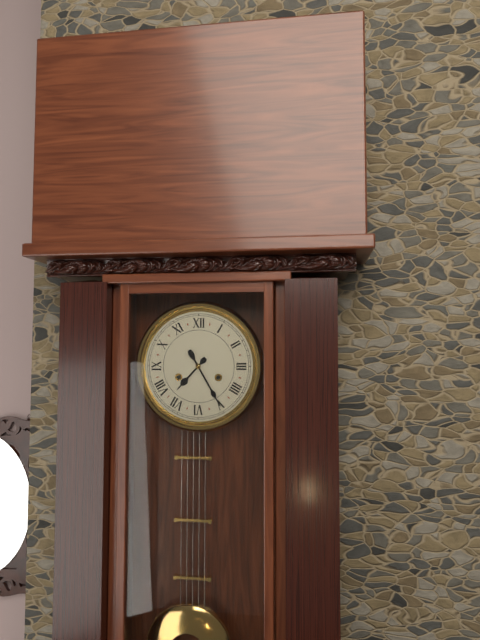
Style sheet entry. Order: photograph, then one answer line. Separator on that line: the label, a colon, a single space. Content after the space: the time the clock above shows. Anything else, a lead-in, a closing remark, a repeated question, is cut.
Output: 7:25
